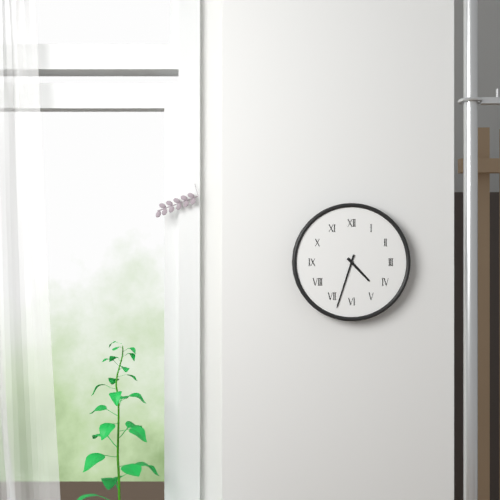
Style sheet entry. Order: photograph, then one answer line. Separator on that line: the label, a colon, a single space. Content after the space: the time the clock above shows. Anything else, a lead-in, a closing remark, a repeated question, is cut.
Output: 4:33
